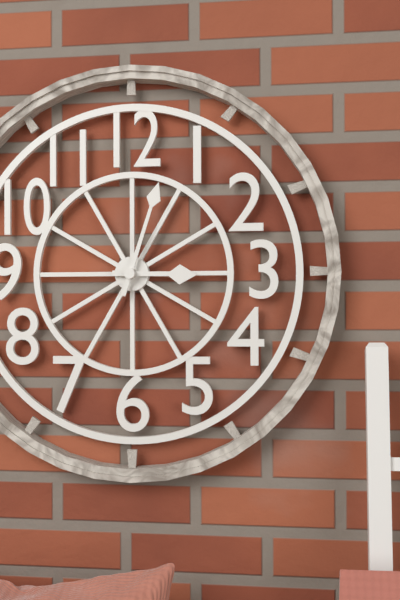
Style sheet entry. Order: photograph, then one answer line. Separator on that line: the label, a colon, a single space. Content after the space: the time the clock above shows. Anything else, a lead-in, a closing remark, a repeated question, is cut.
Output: 3:03
